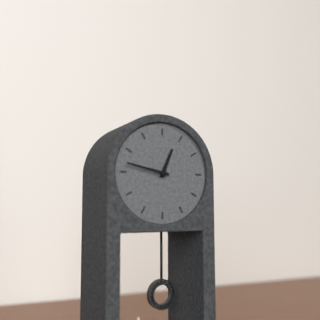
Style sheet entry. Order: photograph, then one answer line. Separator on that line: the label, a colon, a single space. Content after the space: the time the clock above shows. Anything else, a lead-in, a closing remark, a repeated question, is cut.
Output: 12:47
